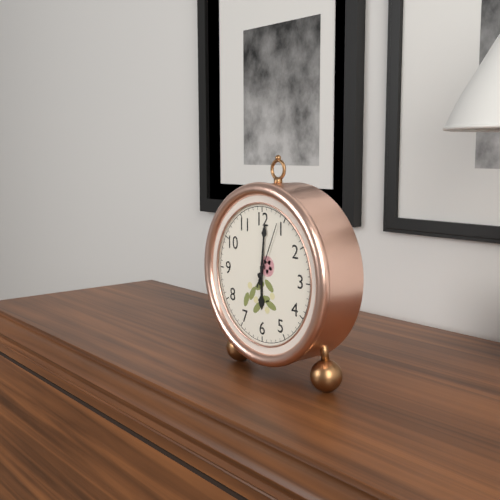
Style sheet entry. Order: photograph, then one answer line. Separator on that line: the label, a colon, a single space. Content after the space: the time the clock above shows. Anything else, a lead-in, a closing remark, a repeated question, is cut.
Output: 6:01:04
